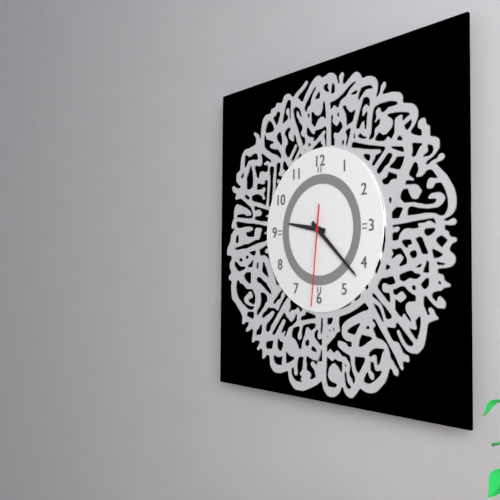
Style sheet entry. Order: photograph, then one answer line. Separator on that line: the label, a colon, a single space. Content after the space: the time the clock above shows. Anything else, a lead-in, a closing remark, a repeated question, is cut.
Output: 9:22:31
